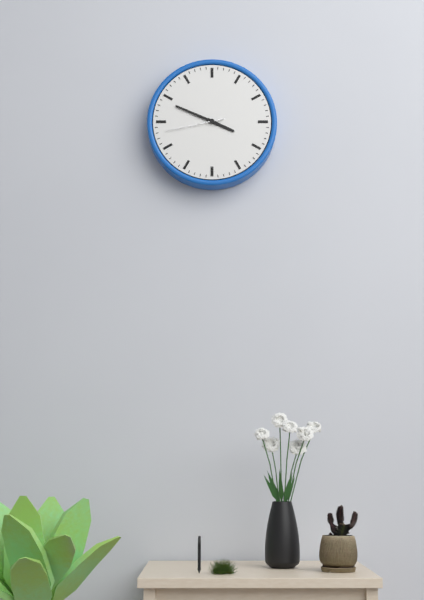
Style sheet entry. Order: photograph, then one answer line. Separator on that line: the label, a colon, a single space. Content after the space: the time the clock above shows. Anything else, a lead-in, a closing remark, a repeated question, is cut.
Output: 3:49:43
